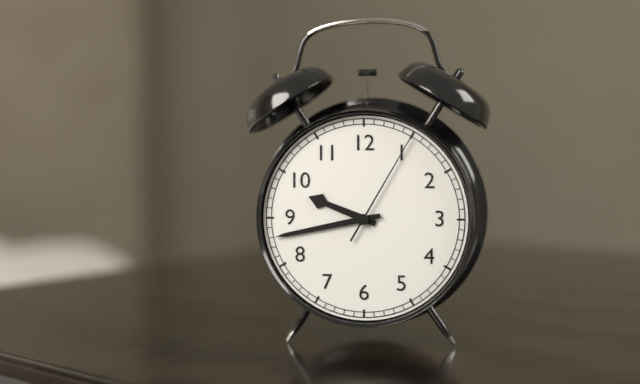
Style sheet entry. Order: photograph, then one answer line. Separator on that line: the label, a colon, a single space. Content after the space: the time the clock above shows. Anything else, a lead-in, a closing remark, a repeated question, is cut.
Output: 9:43:05
